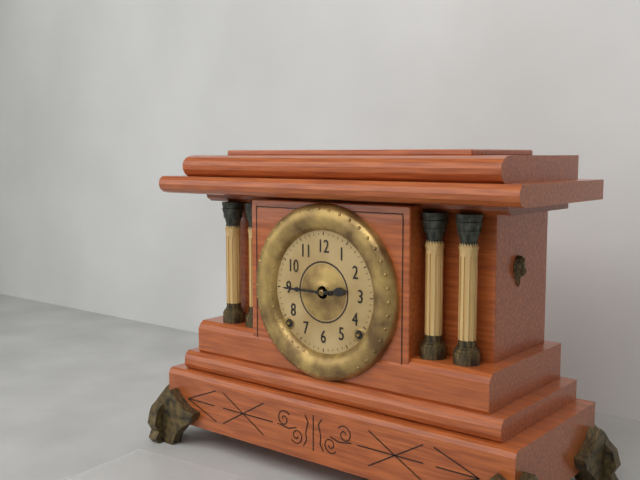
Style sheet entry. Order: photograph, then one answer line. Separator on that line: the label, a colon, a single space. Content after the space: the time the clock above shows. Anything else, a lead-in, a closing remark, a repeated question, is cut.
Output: 2:45
